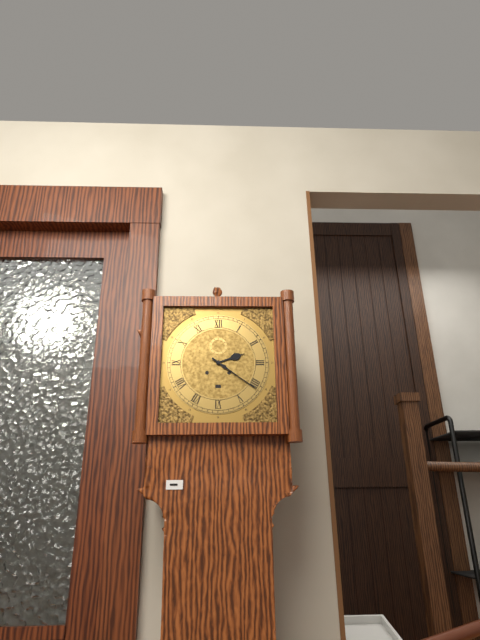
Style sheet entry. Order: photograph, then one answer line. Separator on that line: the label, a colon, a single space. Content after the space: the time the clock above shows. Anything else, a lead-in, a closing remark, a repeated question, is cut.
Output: 2:21
